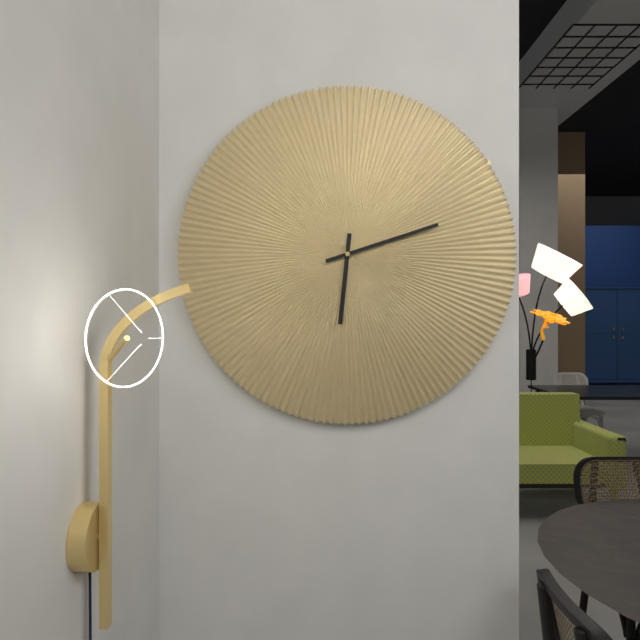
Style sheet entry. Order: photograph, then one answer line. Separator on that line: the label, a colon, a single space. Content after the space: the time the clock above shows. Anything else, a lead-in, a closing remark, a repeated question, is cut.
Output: 6:12
